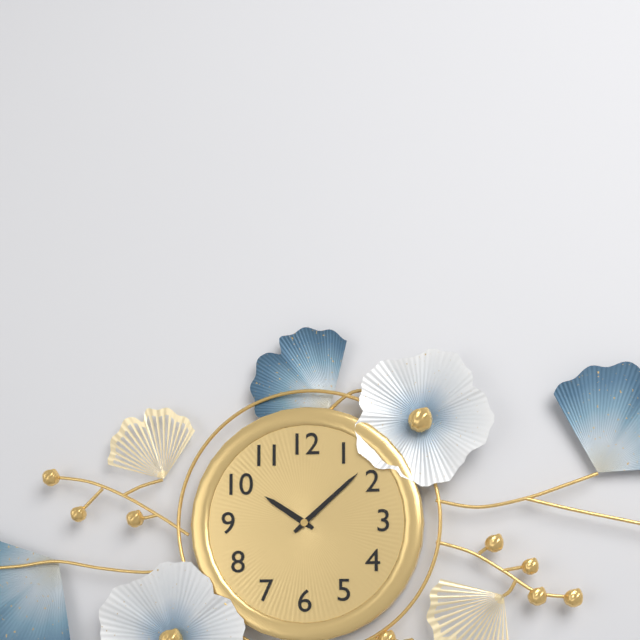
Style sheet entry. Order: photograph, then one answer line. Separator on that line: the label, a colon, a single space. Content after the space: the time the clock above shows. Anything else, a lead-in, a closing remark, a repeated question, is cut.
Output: 10:08
